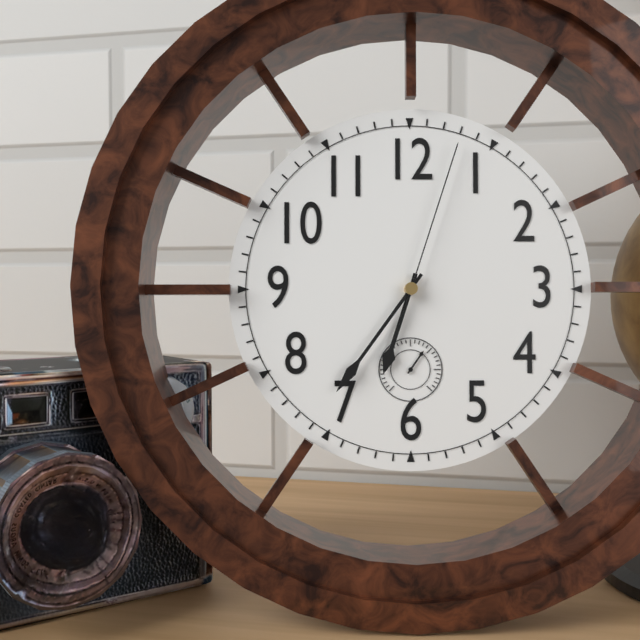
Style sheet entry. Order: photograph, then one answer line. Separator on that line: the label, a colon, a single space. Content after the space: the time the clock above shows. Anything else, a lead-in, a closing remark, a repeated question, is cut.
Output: 6:36:03
